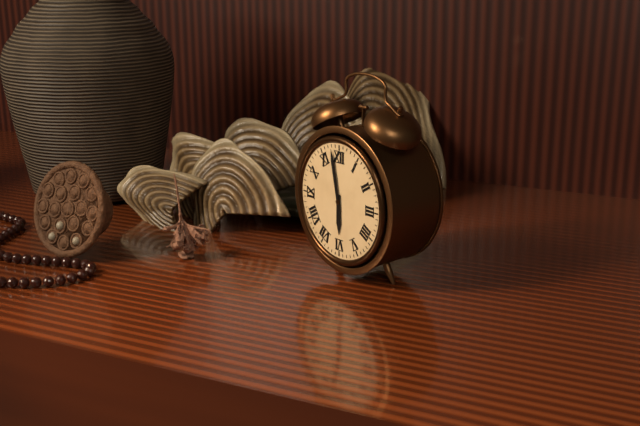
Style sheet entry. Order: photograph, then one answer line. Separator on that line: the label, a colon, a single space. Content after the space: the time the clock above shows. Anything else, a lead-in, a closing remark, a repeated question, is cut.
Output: 5:58
